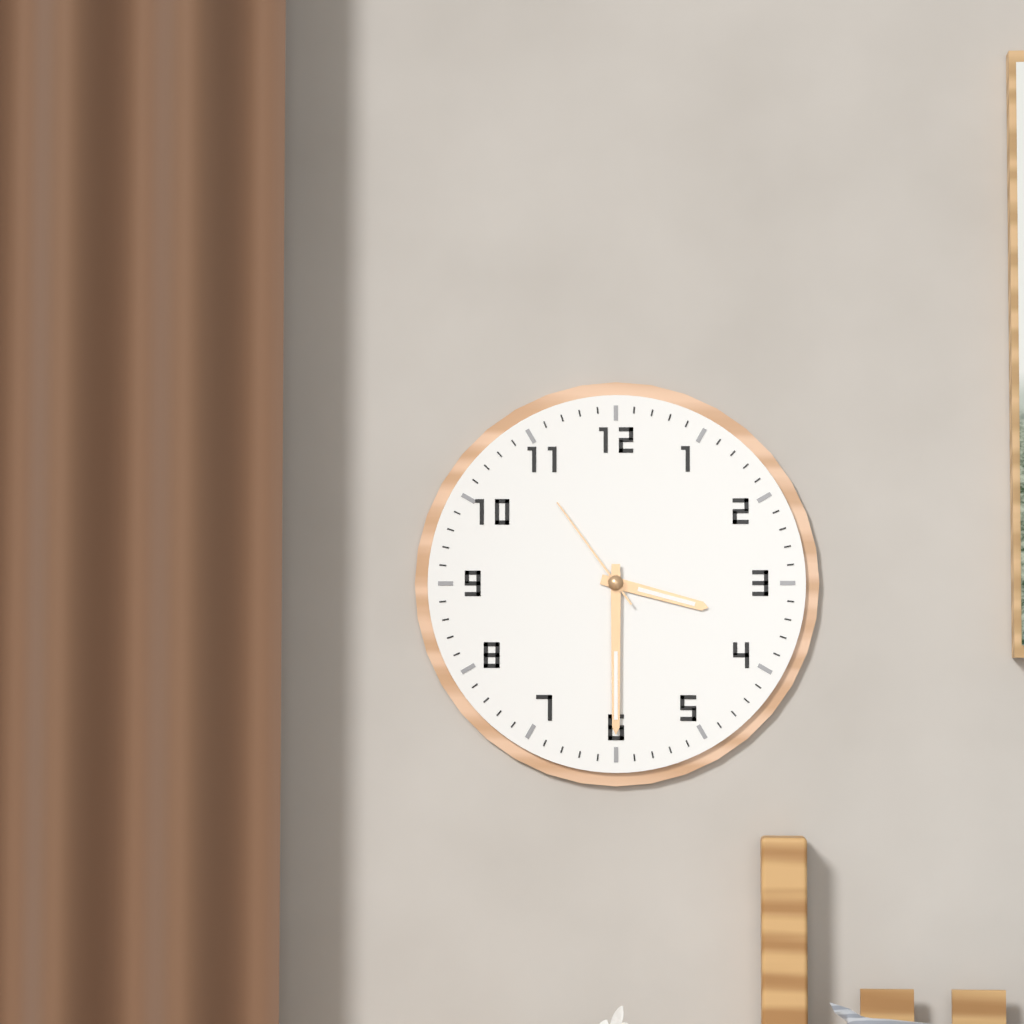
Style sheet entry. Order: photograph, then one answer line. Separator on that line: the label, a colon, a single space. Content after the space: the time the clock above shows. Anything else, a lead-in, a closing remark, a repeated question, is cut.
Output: 3:30:54
